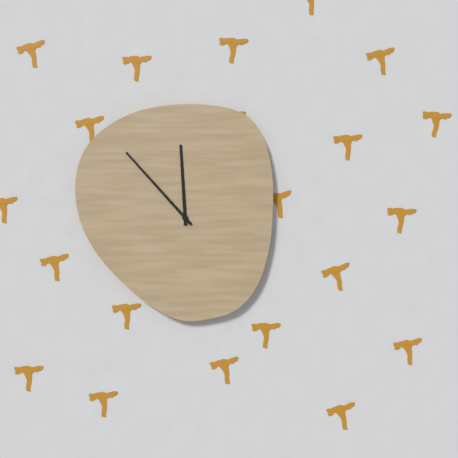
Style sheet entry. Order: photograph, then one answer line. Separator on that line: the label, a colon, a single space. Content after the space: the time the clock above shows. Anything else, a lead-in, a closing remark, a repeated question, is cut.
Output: 11:53
